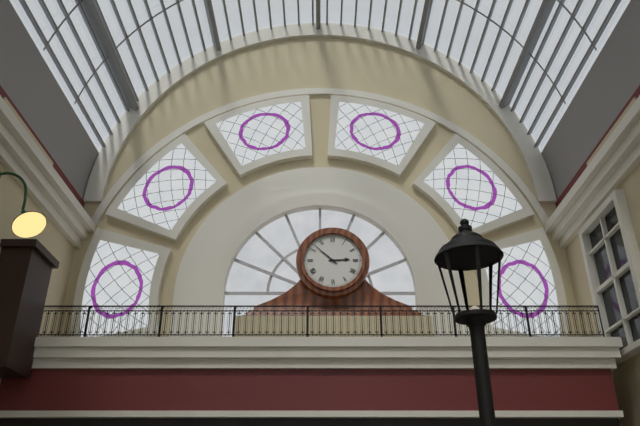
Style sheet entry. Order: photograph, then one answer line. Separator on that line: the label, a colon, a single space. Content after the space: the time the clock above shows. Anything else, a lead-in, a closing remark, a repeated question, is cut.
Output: 2:52
